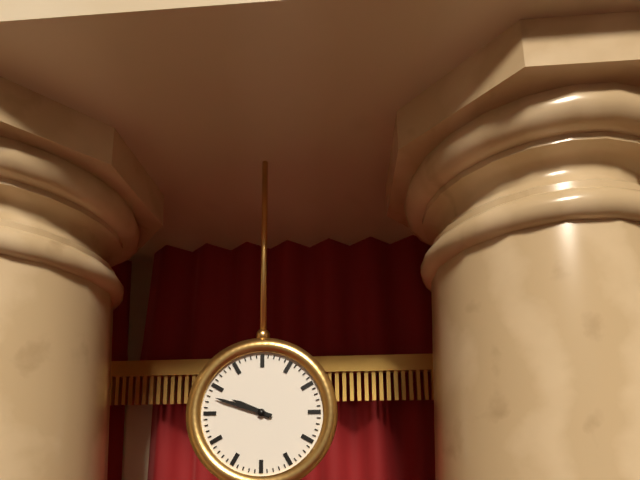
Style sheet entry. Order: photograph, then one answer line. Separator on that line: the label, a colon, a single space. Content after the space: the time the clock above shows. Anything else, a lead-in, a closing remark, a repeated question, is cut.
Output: 9:48
